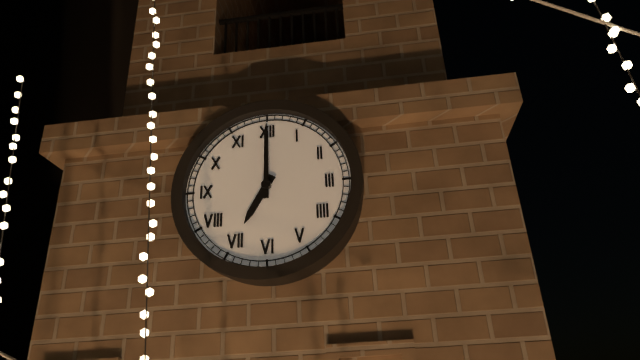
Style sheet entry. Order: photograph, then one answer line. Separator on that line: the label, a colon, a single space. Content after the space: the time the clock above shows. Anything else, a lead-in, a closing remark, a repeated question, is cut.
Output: 7:00
